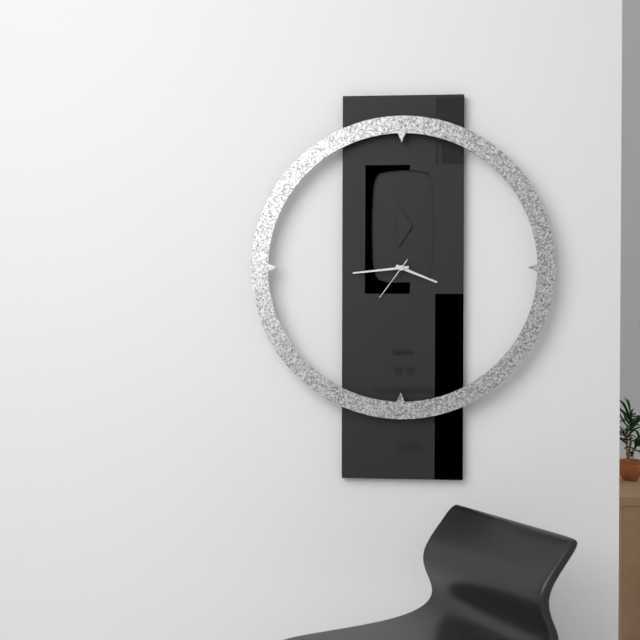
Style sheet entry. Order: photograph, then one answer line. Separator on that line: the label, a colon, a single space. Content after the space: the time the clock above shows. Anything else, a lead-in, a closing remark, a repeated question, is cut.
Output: 3:44
